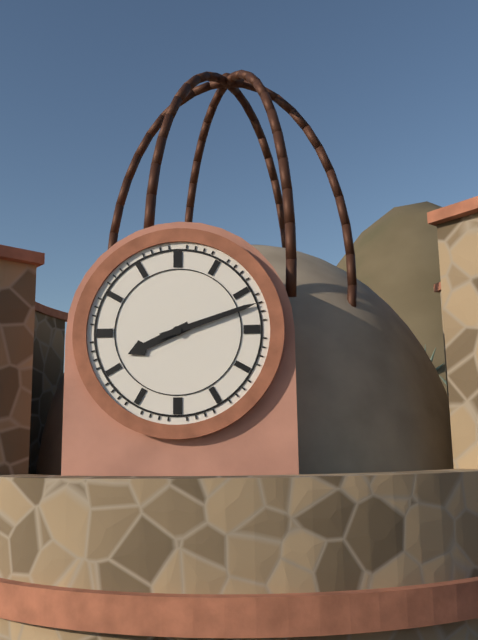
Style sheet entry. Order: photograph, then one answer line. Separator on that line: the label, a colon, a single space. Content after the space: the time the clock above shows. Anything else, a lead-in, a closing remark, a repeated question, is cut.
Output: 8:12
